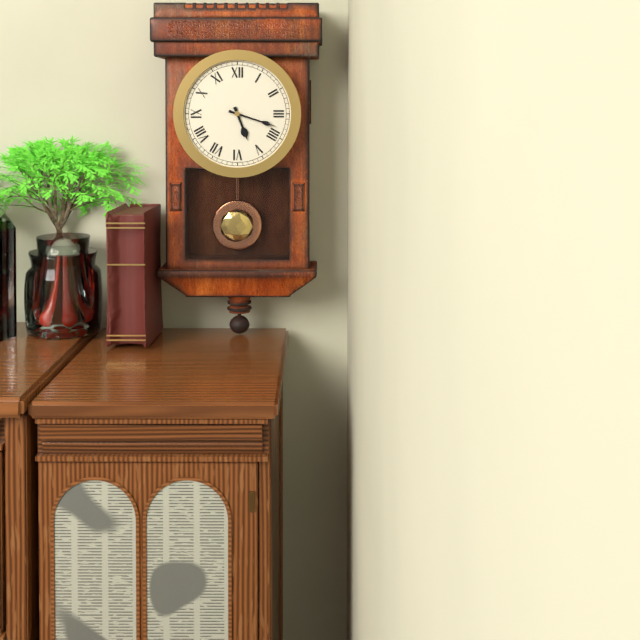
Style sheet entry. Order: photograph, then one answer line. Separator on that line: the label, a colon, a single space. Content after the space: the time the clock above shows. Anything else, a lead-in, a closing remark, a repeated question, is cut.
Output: 5:18
